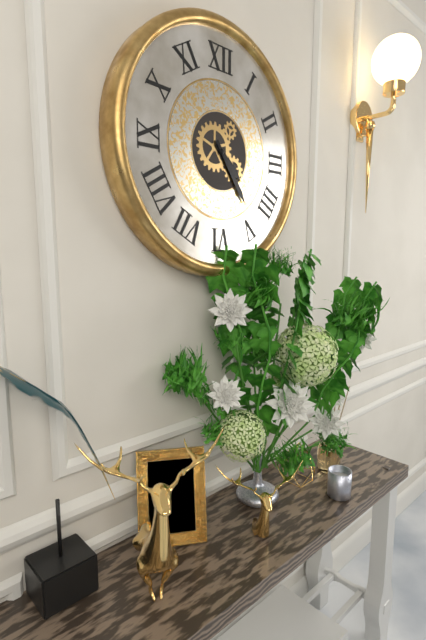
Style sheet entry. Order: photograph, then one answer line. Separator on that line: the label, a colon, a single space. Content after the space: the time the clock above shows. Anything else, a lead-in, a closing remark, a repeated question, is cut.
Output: 4:24
